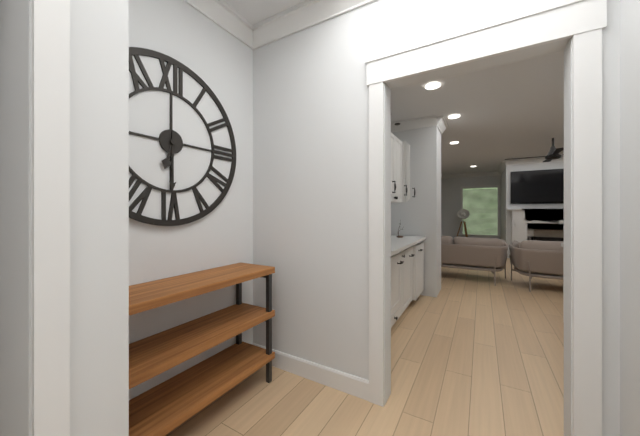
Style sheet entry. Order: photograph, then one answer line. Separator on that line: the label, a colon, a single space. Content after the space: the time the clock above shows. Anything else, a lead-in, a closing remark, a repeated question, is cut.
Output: 6:30
